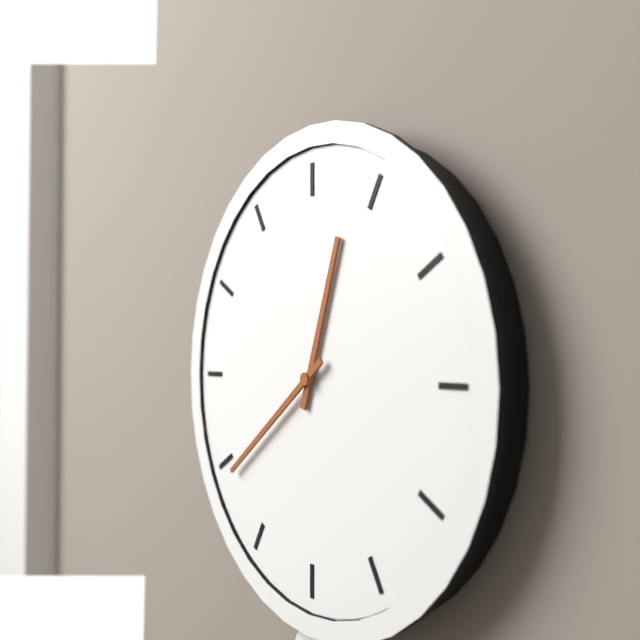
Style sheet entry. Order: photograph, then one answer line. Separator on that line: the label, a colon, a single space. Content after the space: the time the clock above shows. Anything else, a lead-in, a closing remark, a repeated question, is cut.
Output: 12:39
